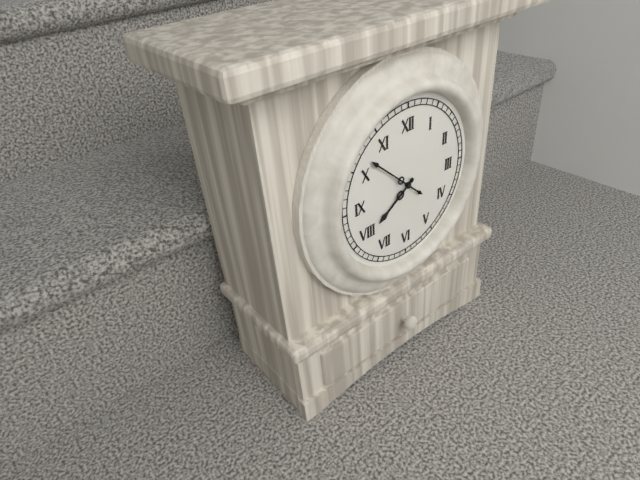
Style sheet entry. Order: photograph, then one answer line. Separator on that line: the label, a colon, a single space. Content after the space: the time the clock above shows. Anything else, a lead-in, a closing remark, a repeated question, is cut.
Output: 7:52
